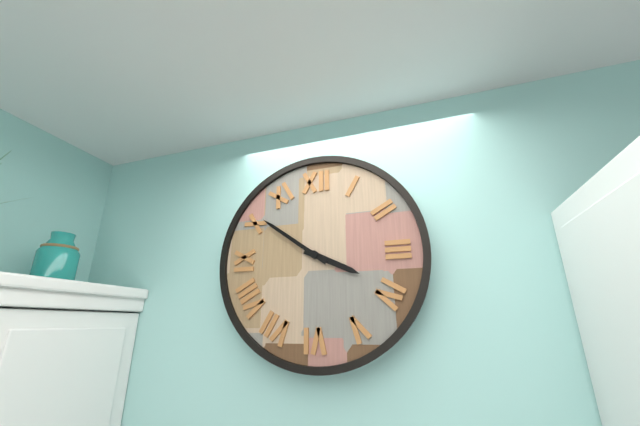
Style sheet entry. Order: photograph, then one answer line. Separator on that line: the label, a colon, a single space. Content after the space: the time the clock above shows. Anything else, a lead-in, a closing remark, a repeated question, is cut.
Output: 3:51
